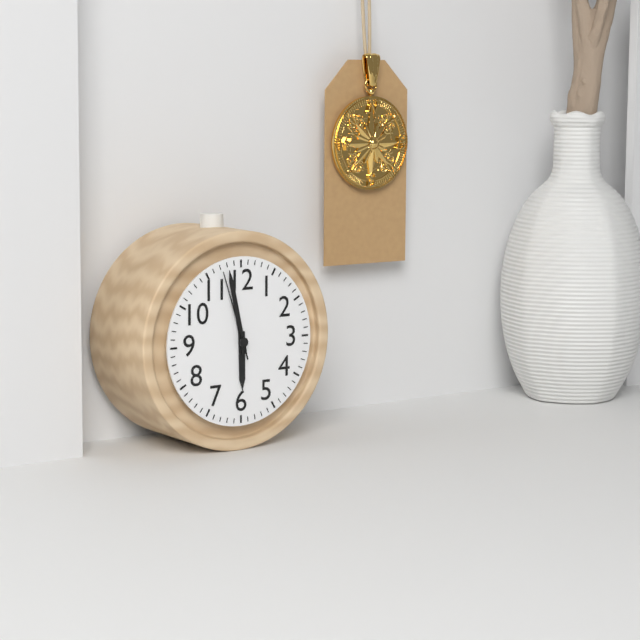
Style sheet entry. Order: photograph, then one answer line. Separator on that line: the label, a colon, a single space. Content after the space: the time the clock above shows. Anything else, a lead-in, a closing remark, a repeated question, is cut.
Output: 5:58:57
